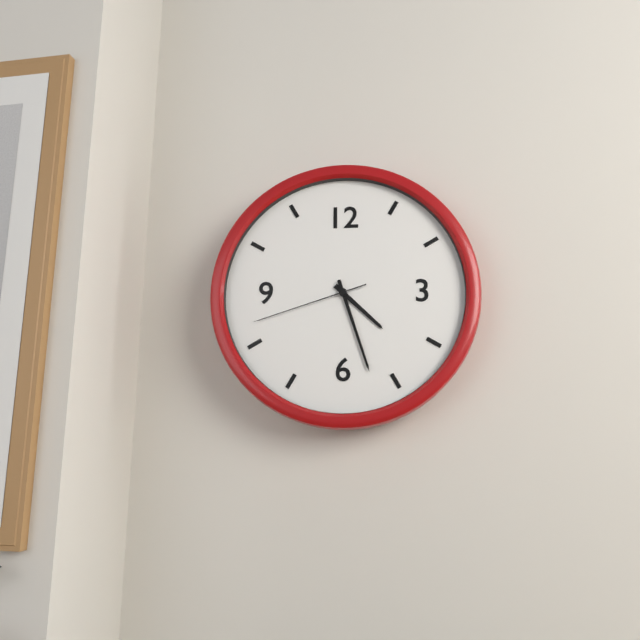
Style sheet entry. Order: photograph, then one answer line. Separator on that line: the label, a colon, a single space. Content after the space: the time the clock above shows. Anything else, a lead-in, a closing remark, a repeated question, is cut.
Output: 4:27:42
